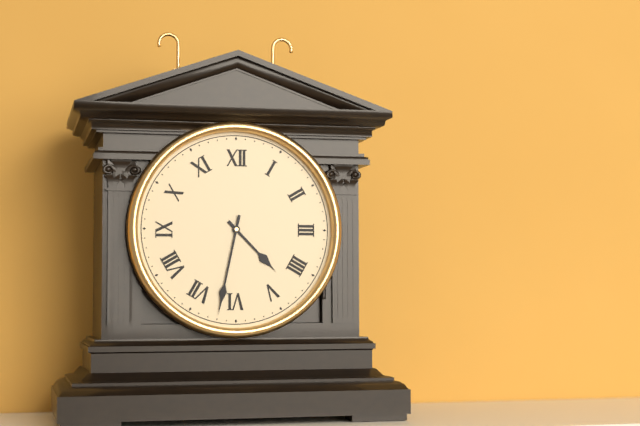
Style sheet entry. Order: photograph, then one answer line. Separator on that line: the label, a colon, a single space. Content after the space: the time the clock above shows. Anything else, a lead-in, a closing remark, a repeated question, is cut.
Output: 4:32
